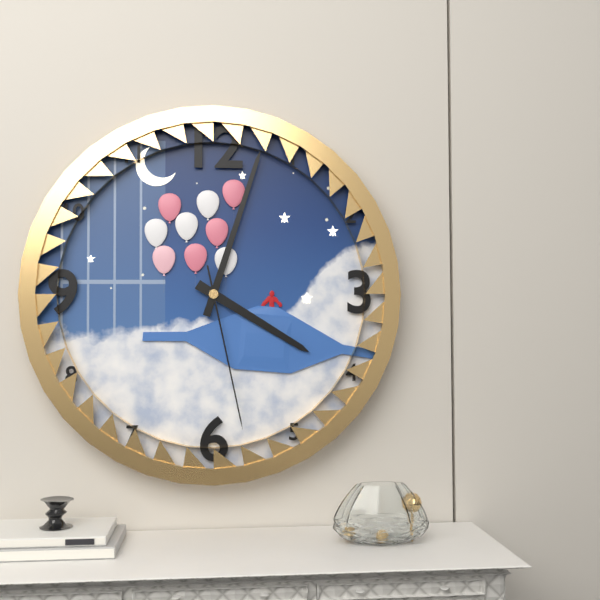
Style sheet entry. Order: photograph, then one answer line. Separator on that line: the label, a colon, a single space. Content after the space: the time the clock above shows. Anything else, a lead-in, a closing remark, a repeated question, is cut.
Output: 4:03:28
